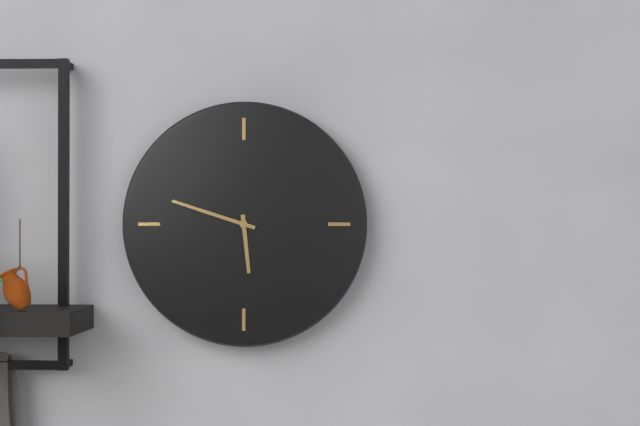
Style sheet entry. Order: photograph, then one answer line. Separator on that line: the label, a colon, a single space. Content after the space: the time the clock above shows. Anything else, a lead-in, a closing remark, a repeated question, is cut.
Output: 5:48
